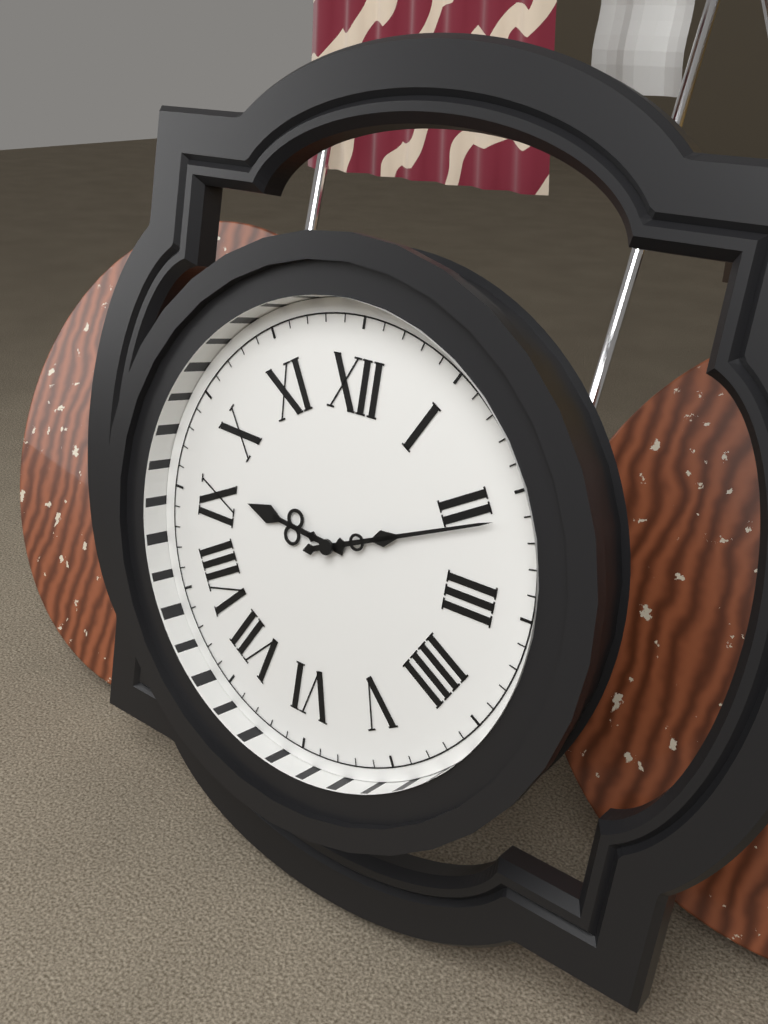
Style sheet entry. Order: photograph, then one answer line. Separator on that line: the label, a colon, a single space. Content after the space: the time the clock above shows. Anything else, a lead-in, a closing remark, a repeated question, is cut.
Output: 9:11
